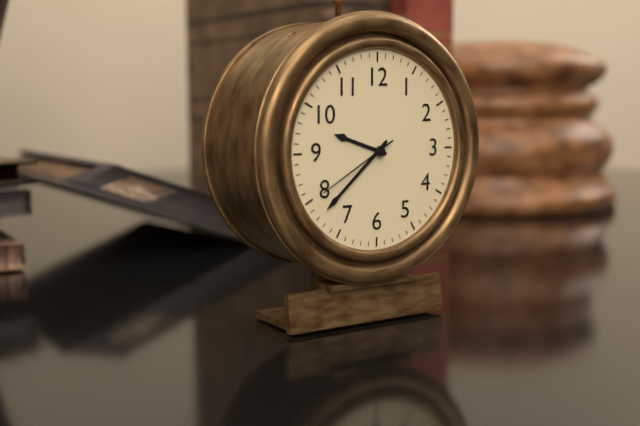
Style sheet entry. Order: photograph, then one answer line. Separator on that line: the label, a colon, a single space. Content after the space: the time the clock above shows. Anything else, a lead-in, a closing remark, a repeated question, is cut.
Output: 9:38:40
